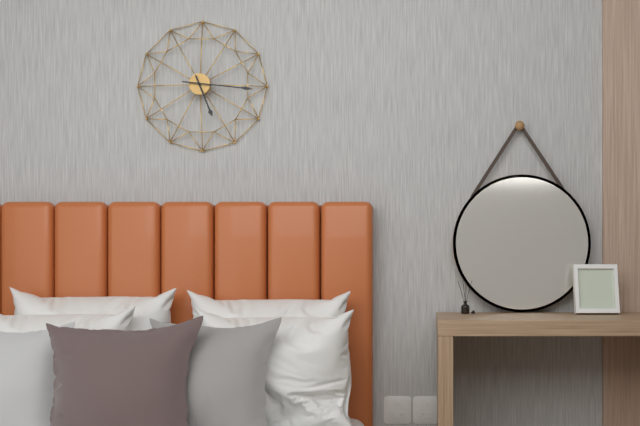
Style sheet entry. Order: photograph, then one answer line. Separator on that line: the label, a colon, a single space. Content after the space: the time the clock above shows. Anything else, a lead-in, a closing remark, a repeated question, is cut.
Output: 5:16
